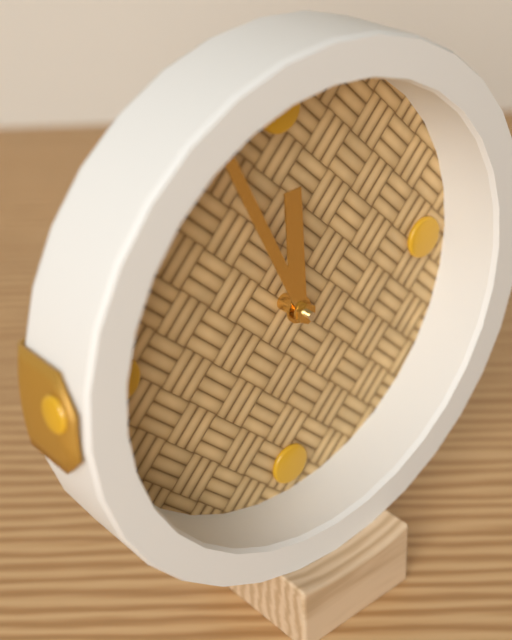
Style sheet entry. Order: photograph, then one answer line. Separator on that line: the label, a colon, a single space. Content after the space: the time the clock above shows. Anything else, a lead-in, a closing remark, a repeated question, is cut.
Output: 11:56
